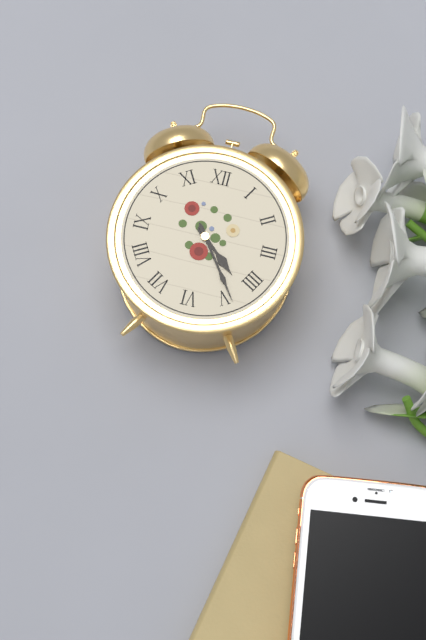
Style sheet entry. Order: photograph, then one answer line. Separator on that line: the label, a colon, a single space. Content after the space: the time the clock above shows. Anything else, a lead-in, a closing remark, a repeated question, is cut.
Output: 4:24
